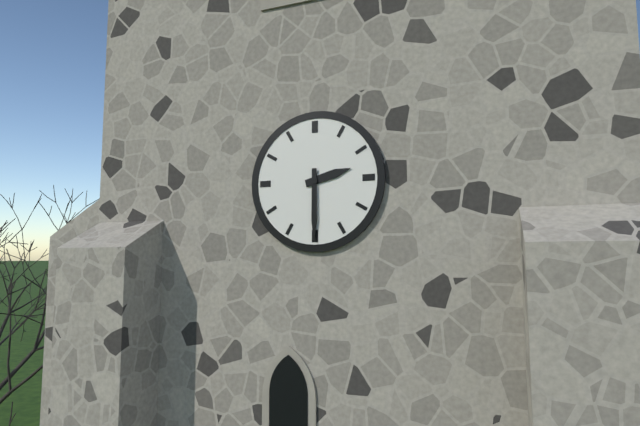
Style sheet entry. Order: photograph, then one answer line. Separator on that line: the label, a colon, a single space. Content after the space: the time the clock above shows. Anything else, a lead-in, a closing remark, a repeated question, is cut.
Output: 2:30
